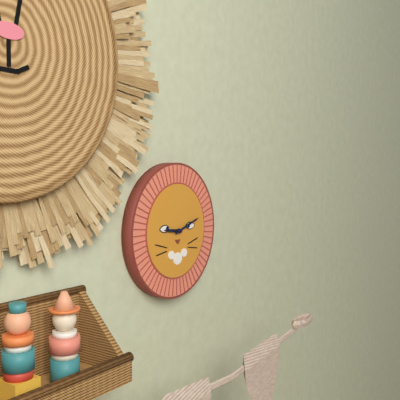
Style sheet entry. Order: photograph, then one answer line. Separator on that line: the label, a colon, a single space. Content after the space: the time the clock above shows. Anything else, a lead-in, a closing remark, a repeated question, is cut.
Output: 9:12
